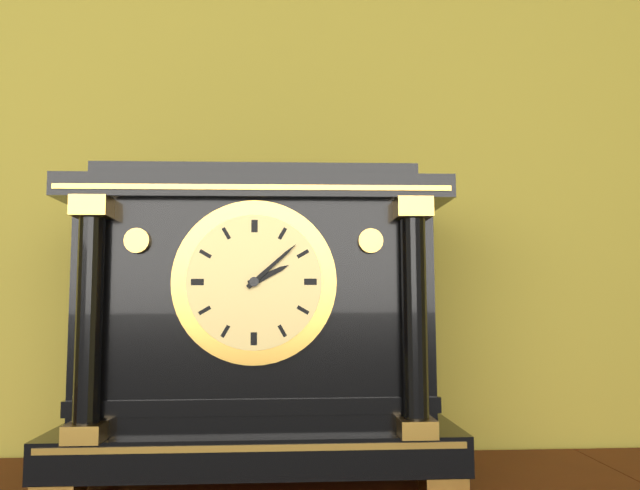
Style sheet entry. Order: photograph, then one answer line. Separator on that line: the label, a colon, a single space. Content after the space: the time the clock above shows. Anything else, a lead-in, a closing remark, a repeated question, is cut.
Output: 2:08
